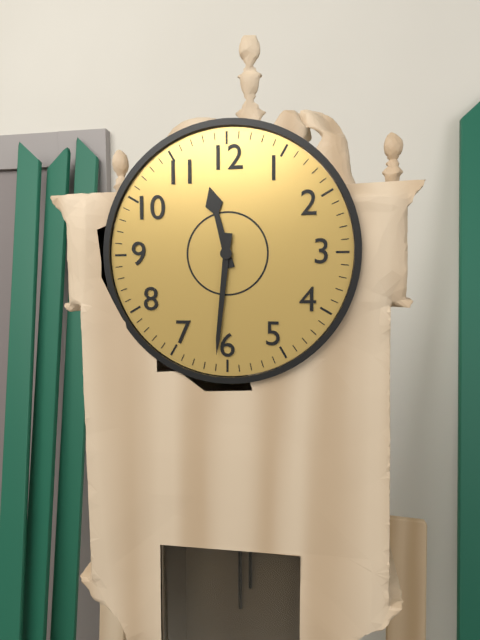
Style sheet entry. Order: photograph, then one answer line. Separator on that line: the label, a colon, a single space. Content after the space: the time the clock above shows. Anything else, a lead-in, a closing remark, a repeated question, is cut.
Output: 11:31
